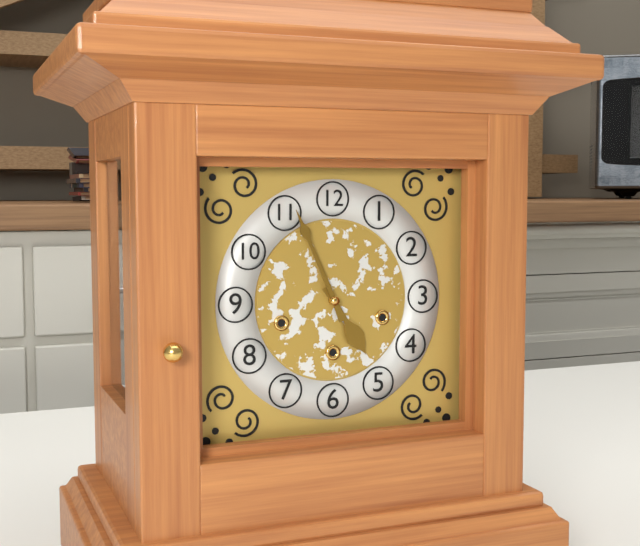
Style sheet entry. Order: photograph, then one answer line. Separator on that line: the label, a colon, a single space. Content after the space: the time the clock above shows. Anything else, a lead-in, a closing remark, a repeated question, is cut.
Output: 4:56
